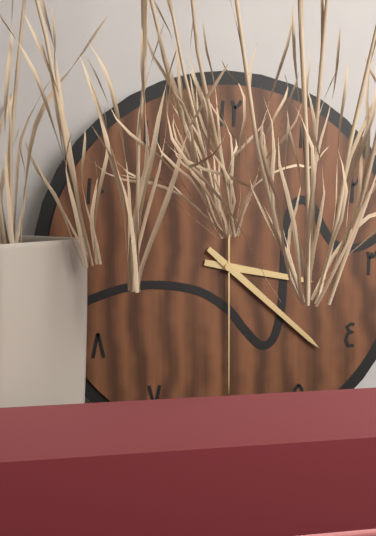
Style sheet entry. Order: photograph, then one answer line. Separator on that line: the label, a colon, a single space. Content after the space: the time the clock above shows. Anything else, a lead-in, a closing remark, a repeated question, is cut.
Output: 3:22:30
